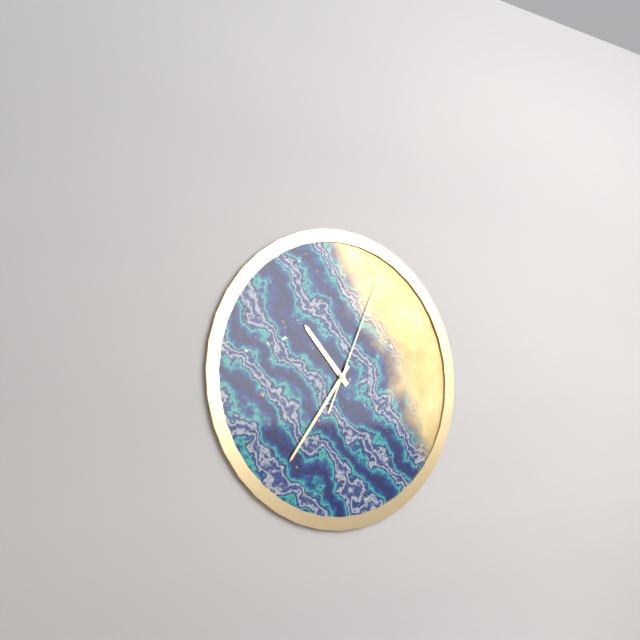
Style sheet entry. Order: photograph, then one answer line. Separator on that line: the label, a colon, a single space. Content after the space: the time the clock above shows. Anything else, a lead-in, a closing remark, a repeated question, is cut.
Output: 10:36:04
